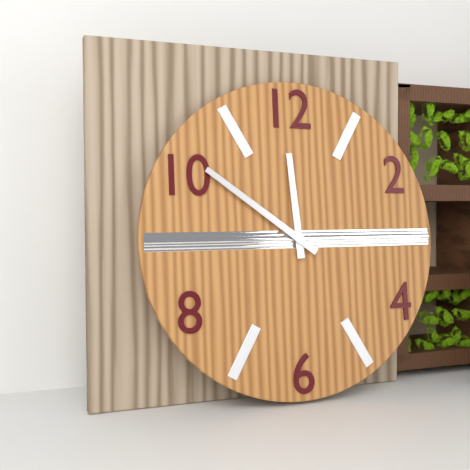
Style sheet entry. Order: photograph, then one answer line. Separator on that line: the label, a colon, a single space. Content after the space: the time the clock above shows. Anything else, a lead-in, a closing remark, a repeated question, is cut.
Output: 11:51
